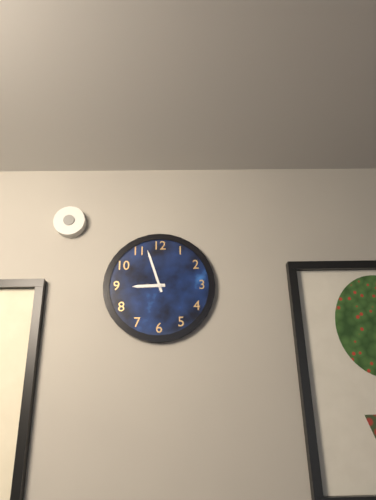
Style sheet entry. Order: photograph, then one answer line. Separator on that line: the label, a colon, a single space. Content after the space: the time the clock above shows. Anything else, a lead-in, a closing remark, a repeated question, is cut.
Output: 8:57
